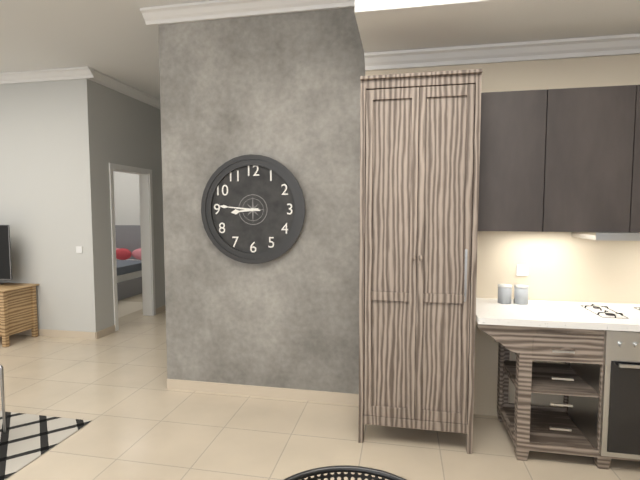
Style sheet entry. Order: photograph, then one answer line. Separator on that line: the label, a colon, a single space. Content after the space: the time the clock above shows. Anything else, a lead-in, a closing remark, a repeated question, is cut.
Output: 8:46
